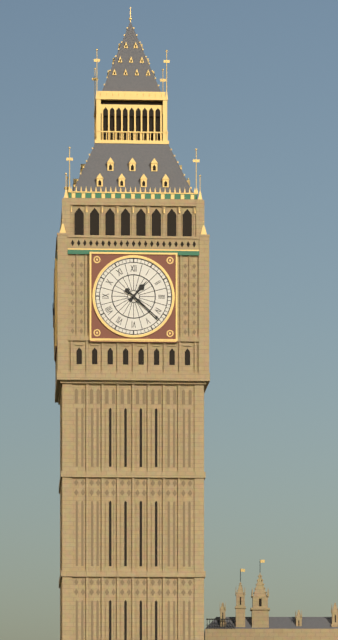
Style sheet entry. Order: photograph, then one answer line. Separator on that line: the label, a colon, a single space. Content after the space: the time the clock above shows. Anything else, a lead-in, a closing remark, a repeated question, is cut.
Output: 1:22
